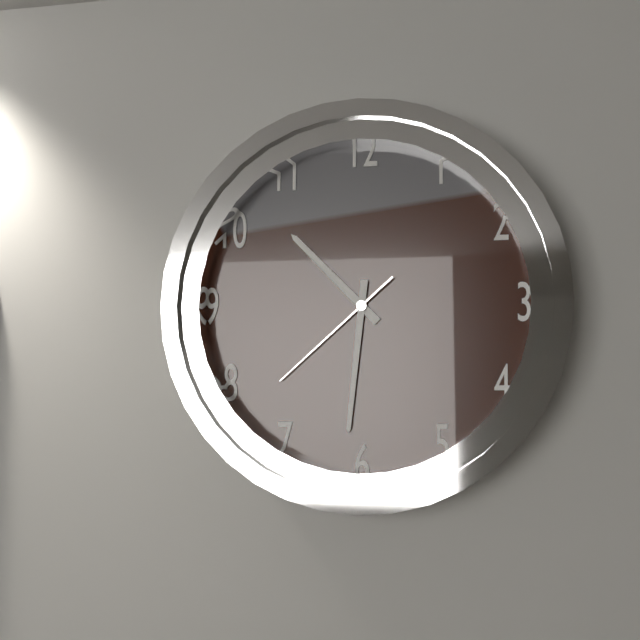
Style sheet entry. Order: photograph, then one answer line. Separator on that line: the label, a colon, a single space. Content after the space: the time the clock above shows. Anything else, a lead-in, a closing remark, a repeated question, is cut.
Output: 10:31:38
